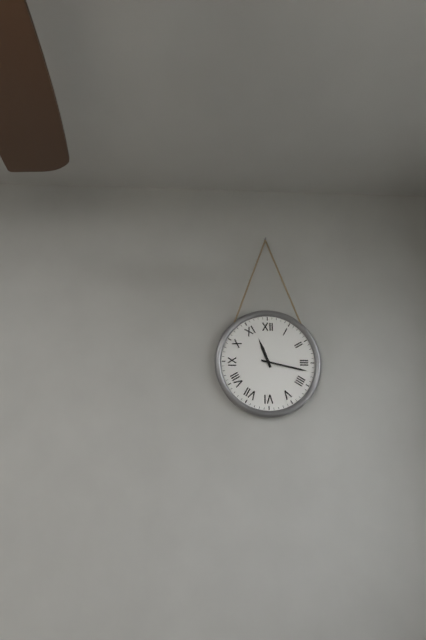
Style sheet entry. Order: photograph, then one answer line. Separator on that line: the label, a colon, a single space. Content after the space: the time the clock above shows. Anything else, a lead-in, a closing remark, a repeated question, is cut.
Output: 11:17
